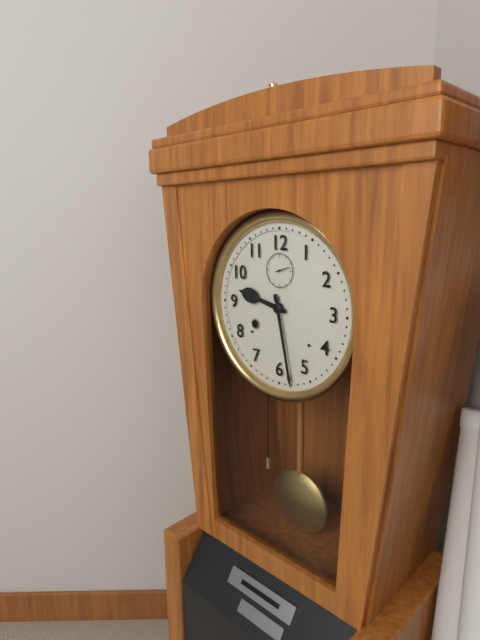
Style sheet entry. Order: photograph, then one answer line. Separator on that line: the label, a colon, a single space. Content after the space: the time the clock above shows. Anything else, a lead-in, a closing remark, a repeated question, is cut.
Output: 9:28
